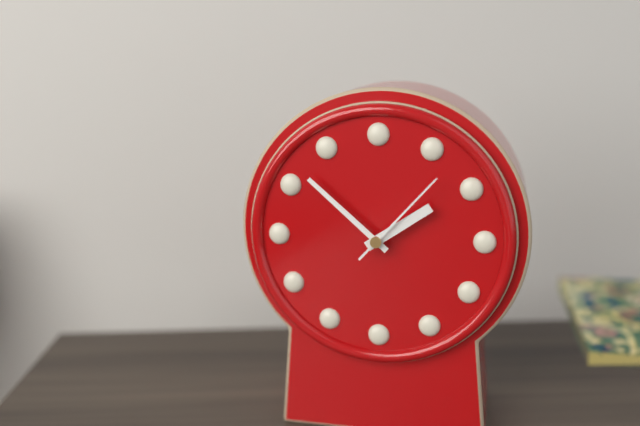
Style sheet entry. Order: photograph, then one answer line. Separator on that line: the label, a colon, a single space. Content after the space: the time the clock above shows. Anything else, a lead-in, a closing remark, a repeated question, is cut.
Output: 1:52:07
